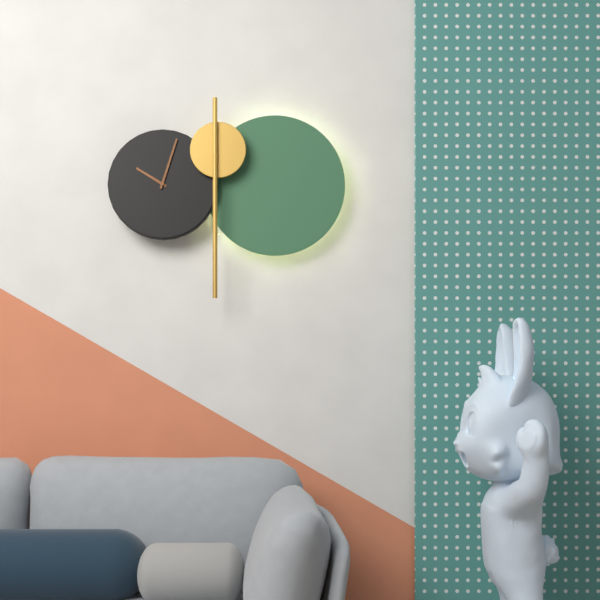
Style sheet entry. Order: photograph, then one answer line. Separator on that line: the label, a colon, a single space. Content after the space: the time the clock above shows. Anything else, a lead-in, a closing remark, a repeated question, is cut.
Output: 10:03
